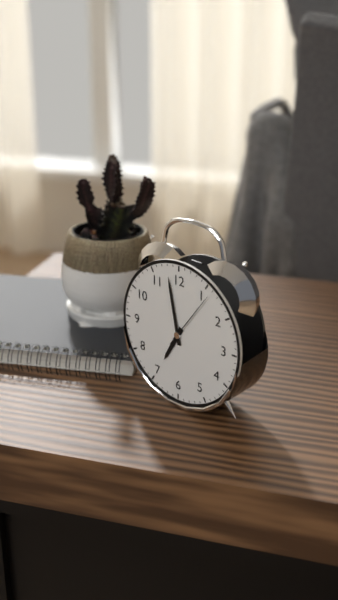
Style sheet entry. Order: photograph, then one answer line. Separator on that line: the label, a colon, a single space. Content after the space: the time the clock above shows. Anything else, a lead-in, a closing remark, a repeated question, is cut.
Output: 6:58:06
